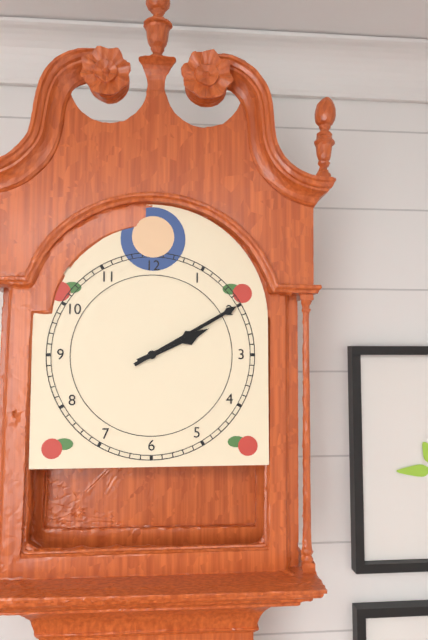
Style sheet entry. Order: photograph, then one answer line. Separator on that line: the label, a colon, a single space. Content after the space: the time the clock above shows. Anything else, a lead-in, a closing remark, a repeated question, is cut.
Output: 2:10
